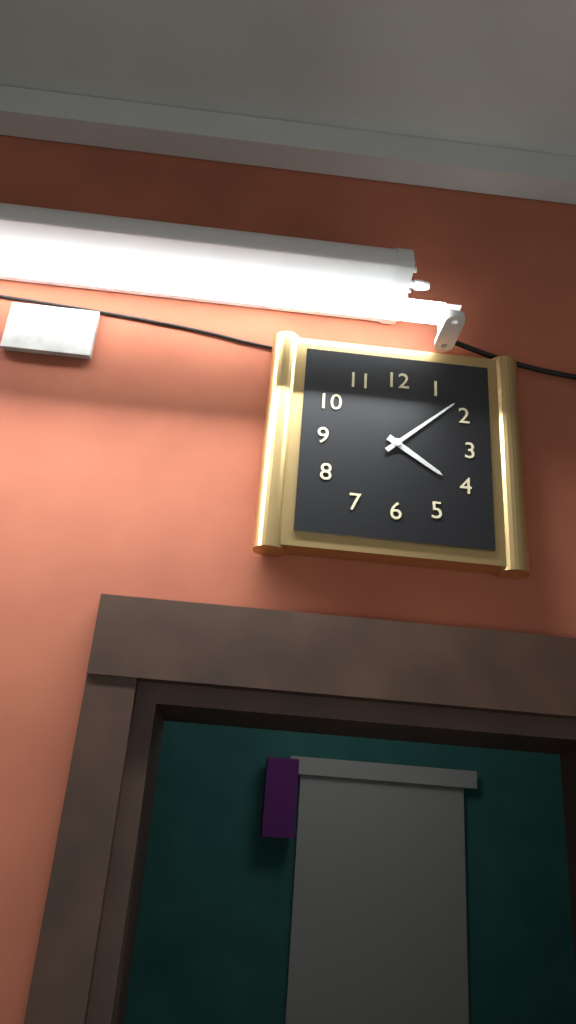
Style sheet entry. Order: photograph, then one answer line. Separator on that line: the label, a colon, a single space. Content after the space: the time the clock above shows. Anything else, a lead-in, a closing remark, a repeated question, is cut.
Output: 4:08
